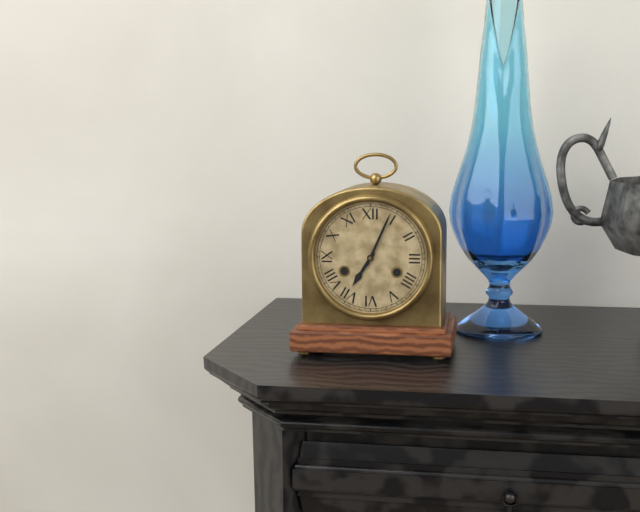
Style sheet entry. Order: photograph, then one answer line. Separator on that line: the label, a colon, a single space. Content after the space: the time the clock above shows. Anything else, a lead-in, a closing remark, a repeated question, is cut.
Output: 7:04
